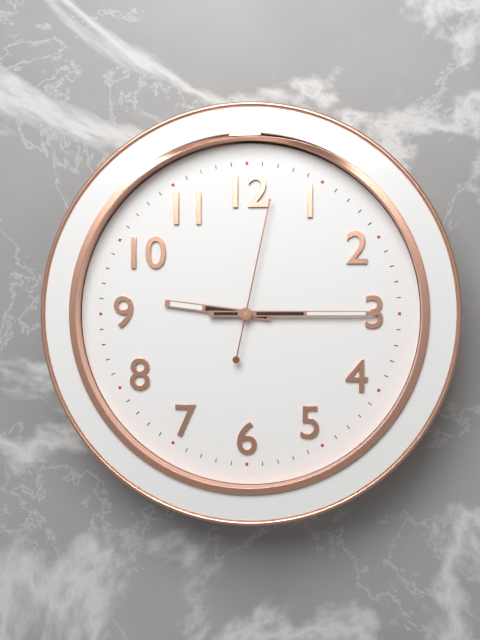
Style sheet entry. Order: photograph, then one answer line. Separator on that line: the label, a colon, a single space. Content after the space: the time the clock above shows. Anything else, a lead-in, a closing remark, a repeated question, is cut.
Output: 9:15:02
